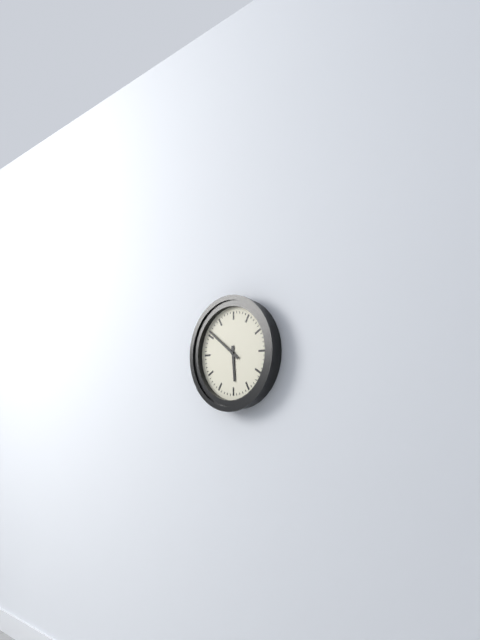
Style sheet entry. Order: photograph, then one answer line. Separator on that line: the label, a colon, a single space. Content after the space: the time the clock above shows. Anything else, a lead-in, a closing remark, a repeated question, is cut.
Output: 5:51
